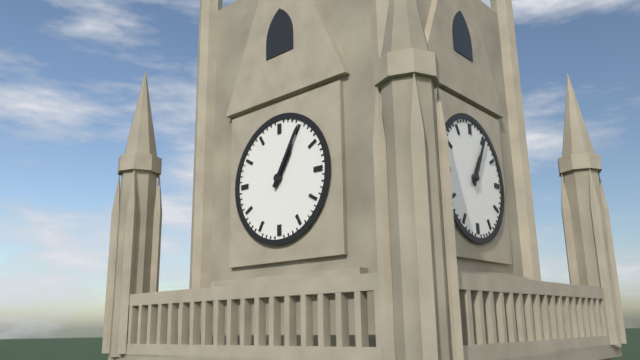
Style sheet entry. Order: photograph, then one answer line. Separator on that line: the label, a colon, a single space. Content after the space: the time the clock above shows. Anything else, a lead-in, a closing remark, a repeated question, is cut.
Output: 1:05
